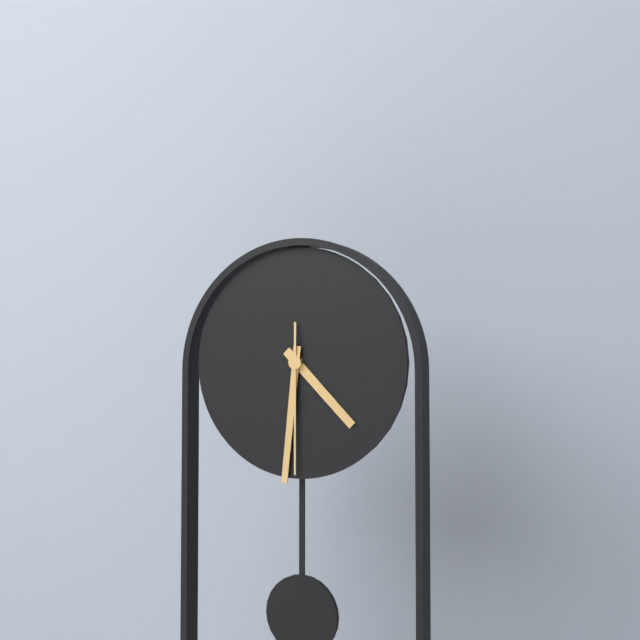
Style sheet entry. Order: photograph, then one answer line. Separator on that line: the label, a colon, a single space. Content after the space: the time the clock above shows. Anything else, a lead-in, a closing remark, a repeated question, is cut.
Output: 4:31:30
